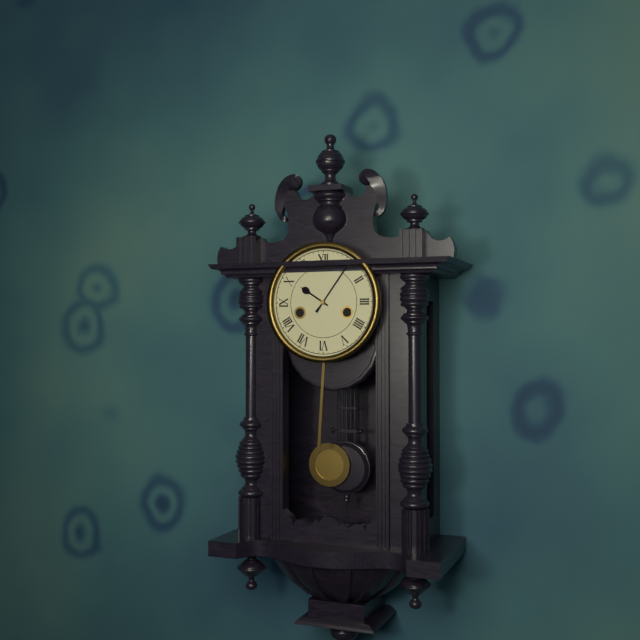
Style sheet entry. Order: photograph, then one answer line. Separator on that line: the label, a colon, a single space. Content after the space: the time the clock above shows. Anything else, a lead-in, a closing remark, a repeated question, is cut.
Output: 10:06
